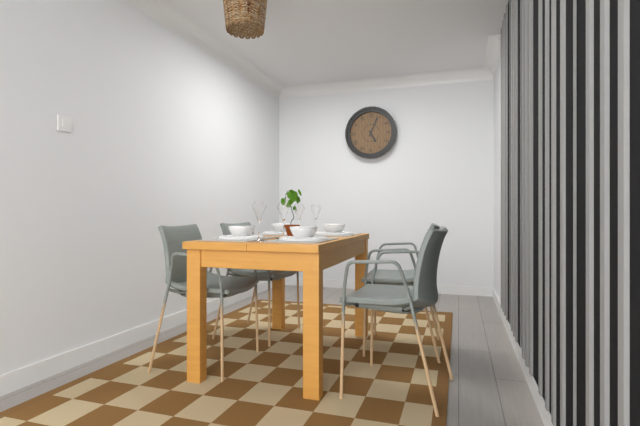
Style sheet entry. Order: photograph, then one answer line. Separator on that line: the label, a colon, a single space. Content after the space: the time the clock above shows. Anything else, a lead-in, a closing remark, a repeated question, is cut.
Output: 5:04
